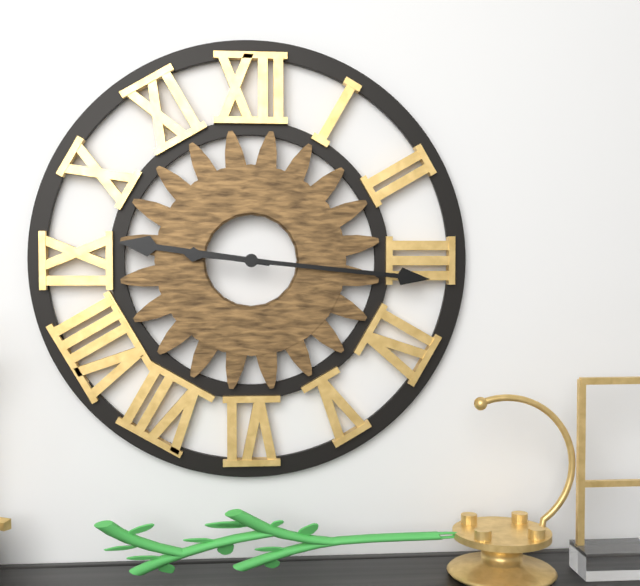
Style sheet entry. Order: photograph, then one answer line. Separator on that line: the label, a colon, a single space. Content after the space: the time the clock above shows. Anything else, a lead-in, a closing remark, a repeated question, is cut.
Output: 9:16
